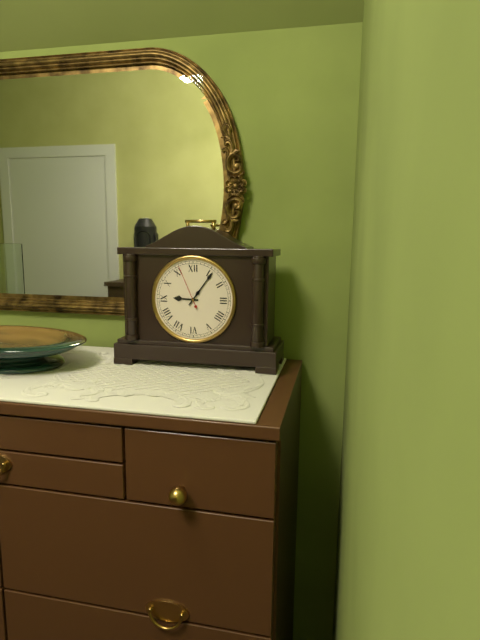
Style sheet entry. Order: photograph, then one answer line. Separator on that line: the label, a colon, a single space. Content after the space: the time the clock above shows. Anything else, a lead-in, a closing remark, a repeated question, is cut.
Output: 9:06
